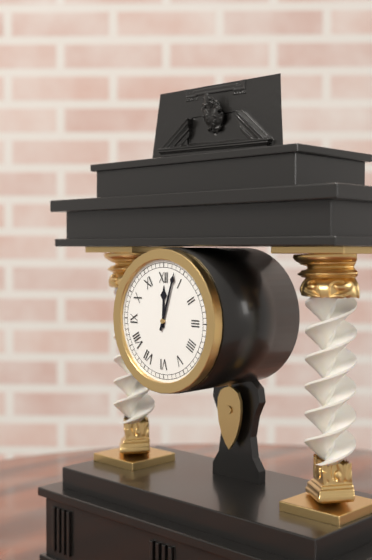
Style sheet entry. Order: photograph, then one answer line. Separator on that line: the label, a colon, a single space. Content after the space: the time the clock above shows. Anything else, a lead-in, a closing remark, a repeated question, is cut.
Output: 12:03
